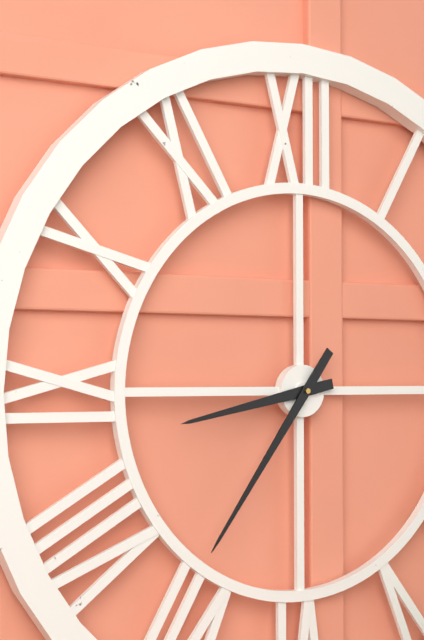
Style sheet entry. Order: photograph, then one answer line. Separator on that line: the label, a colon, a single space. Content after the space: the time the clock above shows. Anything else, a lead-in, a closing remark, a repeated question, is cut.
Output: 8:36
